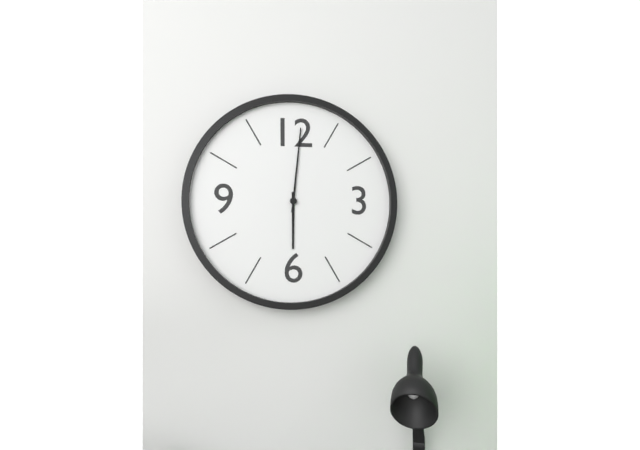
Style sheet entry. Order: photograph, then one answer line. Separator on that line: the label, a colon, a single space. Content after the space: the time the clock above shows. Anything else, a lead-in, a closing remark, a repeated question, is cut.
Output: 6:01
